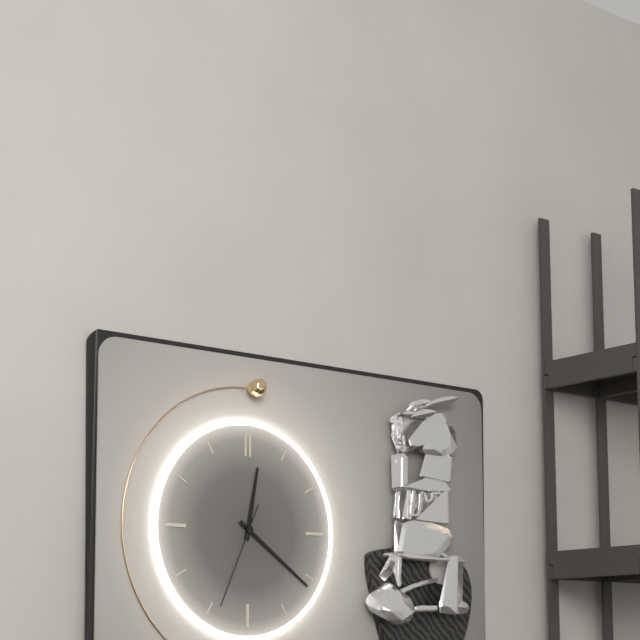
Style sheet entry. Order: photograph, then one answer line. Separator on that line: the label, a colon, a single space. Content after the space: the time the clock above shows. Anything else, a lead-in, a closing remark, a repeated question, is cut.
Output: 12:21:34
